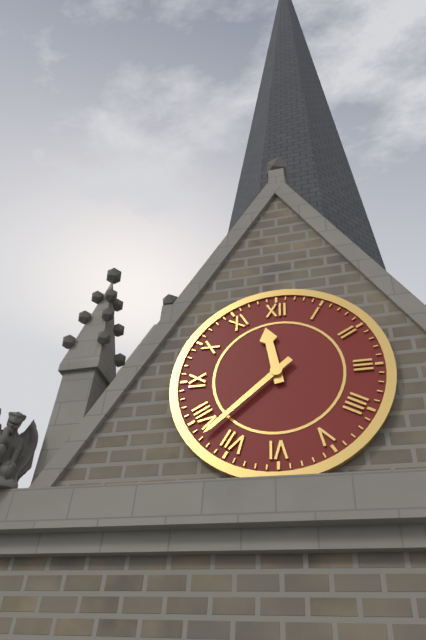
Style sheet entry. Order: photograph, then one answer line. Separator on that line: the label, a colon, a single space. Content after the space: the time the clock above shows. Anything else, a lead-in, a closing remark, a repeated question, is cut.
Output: 11:38
